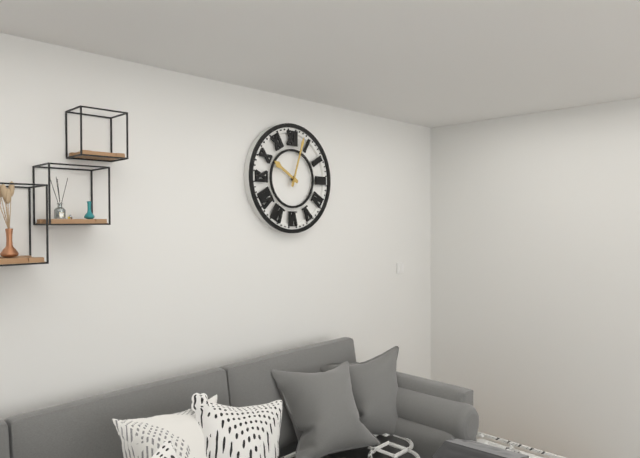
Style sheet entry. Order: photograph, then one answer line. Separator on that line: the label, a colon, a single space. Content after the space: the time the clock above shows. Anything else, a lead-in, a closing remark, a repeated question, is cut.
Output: 10:03
